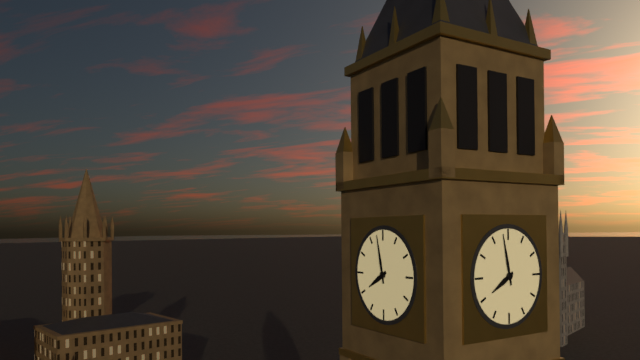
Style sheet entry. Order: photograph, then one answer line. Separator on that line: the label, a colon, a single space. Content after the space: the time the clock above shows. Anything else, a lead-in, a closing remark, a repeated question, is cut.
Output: 7:58
